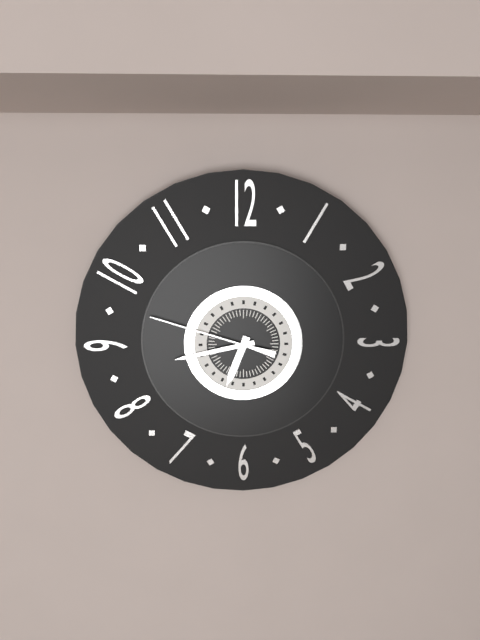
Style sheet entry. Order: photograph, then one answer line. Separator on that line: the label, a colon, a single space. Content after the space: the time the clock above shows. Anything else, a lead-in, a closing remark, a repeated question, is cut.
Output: 6:43:48
